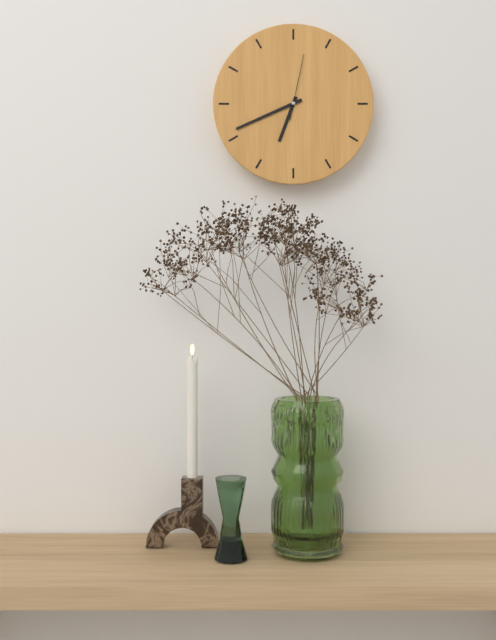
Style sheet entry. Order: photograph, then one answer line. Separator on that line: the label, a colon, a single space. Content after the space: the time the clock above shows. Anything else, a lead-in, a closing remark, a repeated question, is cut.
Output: 6:41:02
